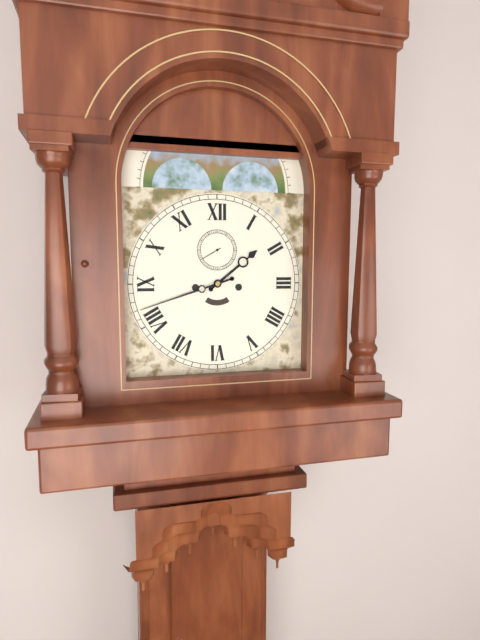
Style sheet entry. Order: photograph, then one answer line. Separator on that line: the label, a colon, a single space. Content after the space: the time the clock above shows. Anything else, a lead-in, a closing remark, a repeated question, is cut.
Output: 1:42
